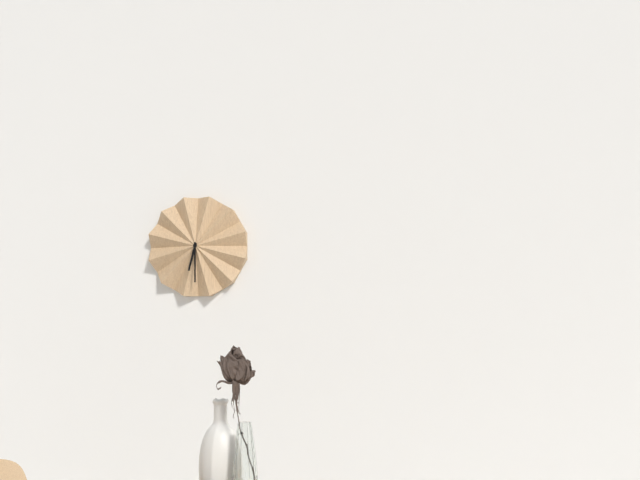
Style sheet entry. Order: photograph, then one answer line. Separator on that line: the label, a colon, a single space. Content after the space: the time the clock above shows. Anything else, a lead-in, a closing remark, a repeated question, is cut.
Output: 6:30
